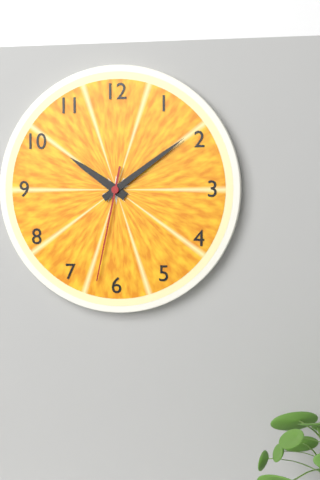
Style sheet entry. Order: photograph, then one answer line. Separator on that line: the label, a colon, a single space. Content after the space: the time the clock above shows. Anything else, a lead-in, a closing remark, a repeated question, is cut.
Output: 10:09:32
